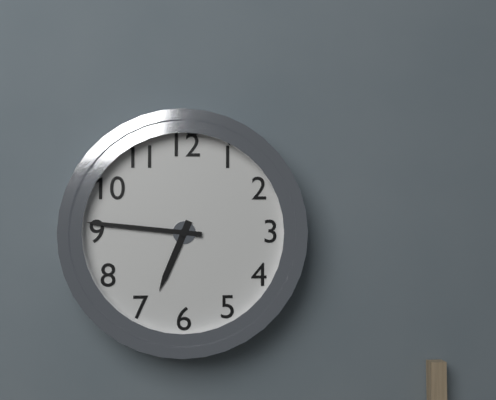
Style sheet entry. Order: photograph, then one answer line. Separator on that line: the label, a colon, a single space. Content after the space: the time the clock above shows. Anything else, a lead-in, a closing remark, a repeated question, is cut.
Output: 6:46
